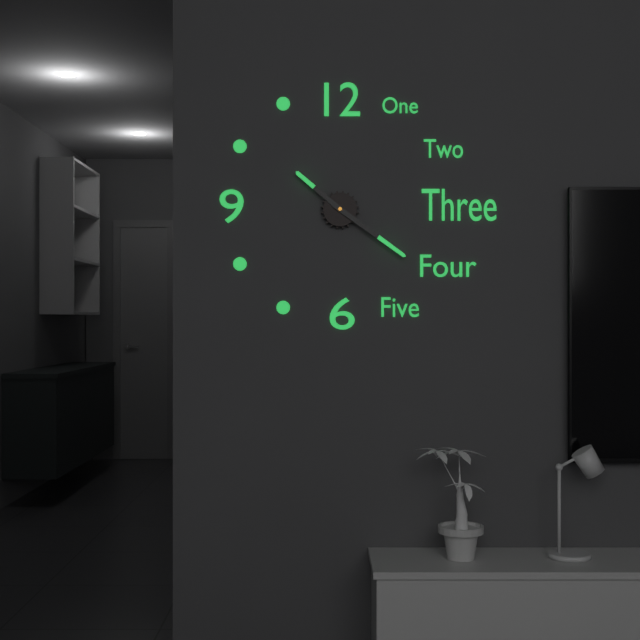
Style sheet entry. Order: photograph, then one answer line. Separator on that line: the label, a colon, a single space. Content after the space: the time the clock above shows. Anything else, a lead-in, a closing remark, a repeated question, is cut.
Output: 10:21
